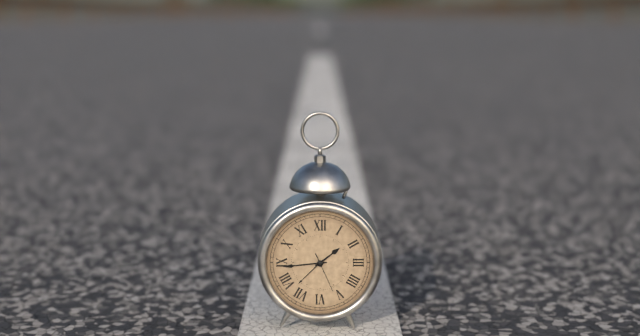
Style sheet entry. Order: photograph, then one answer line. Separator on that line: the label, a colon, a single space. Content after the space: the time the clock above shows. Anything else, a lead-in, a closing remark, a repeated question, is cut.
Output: 1:44
